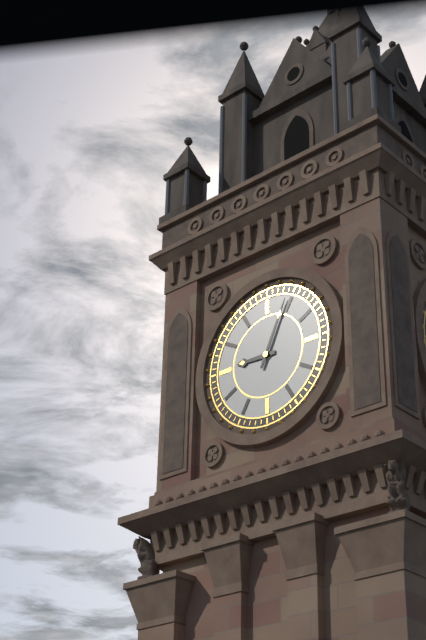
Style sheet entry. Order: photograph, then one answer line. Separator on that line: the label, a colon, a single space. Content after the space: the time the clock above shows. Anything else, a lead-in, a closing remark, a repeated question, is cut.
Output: 9:04
